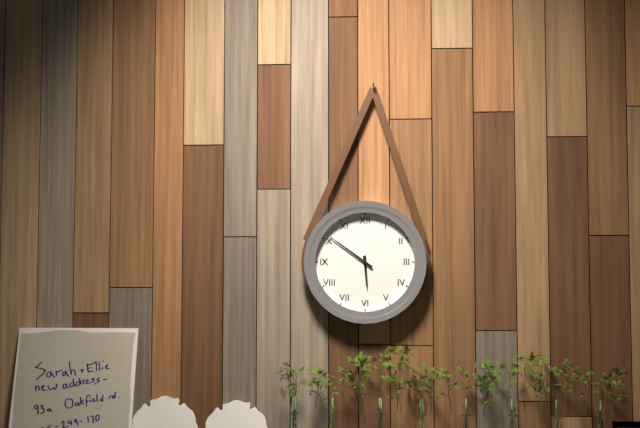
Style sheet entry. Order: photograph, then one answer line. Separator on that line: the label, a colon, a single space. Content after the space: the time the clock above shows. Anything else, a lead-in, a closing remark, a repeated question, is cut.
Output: 5:51
